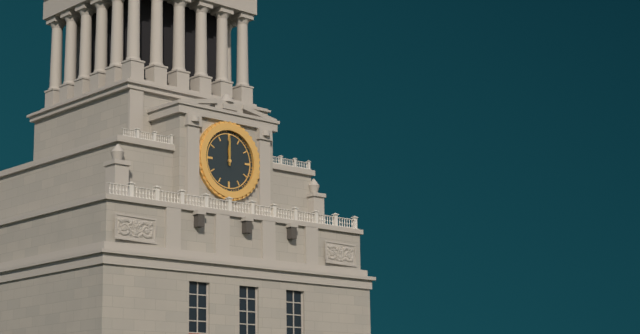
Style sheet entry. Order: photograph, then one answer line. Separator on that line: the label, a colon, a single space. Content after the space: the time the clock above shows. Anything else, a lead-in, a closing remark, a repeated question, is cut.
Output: 12:00
